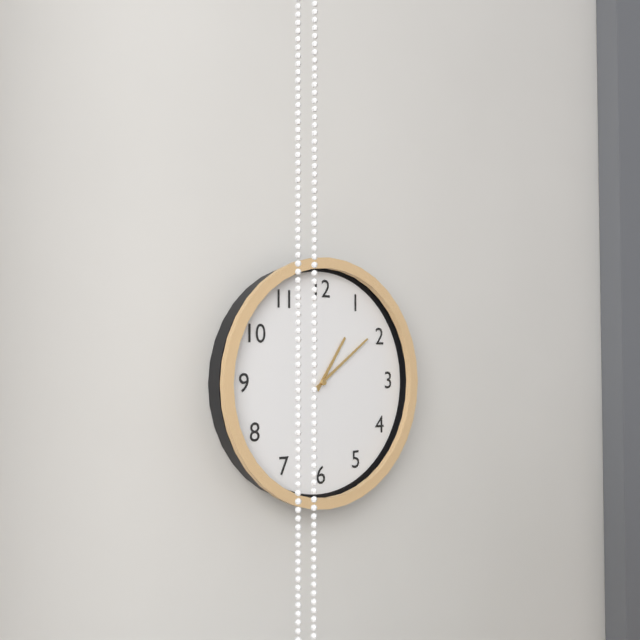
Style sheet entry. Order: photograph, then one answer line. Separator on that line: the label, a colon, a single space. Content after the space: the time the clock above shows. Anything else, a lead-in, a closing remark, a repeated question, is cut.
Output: 1:09
